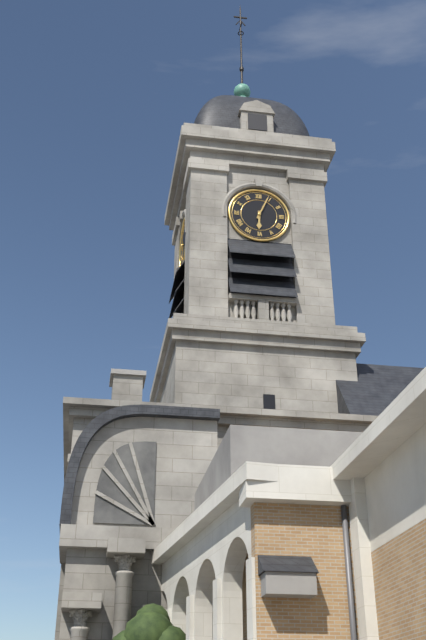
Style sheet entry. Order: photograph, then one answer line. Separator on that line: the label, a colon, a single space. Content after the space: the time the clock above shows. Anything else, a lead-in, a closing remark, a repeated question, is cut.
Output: 6:04
